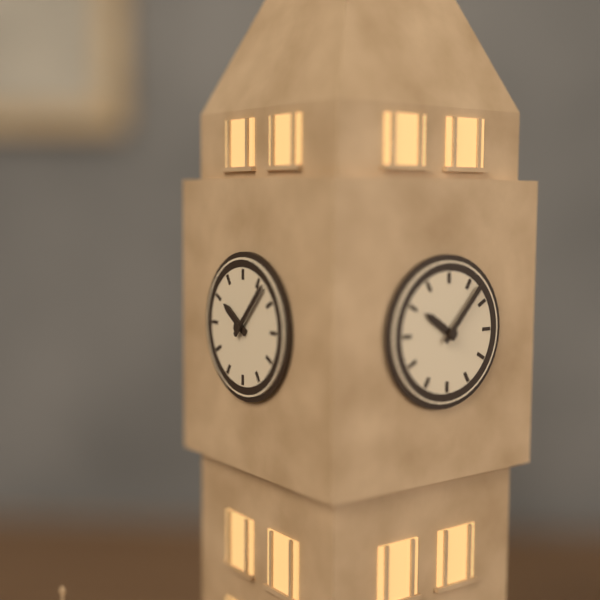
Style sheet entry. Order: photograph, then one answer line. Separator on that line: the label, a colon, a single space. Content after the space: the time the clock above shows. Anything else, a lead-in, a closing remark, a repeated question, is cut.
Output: 10:07
